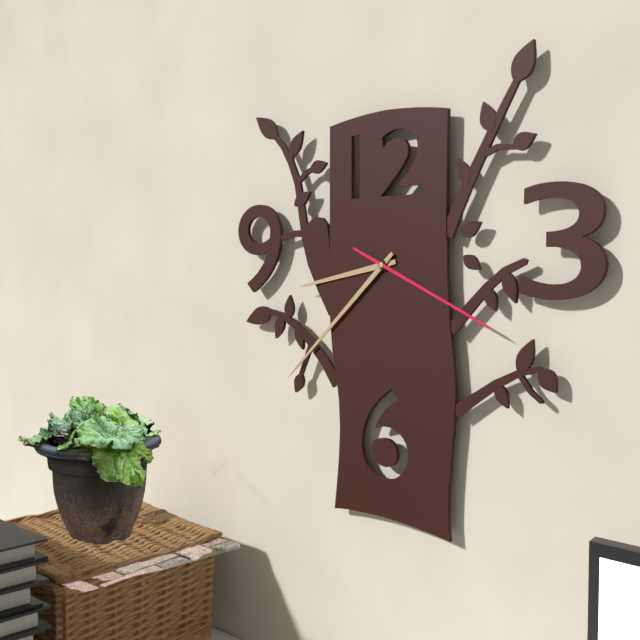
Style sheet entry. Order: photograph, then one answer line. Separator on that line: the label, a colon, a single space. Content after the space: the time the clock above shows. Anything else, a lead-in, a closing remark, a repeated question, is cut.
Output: 8:38:19
